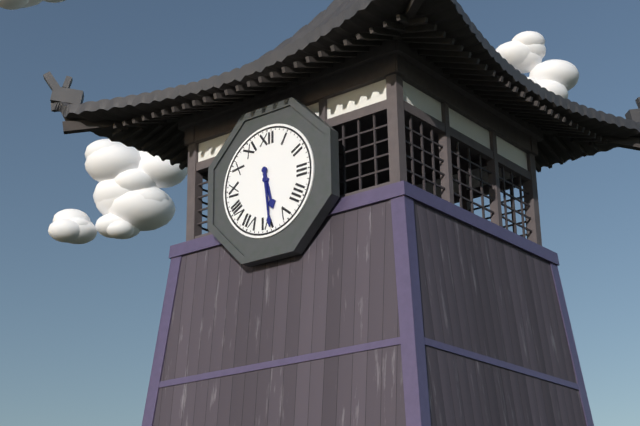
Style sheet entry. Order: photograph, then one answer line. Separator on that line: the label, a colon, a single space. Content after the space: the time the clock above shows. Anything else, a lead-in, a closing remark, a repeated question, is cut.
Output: 5:29
